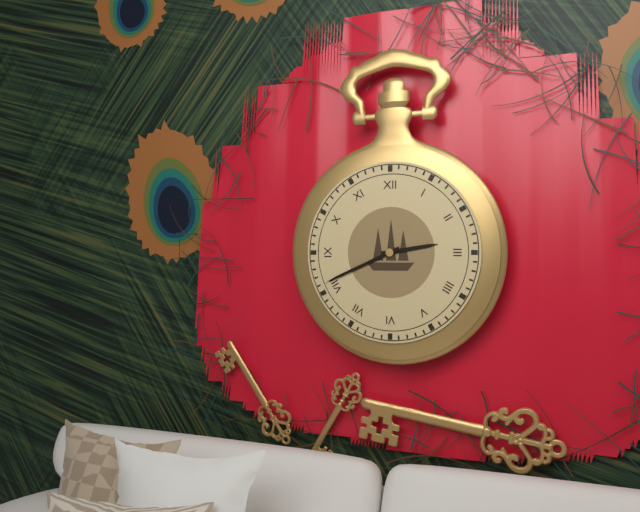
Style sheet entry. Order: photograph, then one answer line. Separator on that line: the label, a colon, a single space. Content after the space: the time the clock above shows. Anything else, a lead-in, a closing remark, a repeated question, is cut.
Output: 2:41
